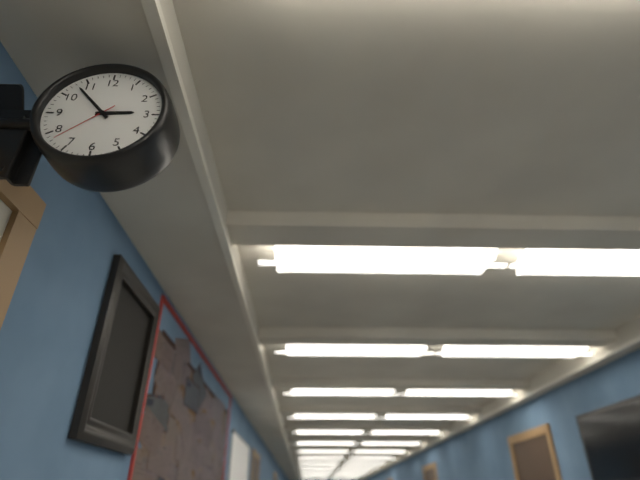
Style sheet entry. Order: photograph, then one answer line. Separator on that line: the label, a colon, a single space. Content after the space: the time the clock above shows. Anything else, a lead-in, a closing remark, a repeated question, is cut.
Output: 2:53:38
